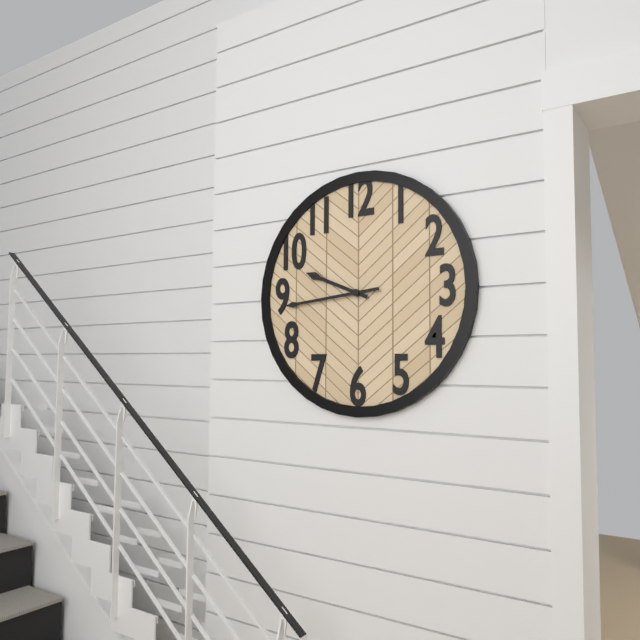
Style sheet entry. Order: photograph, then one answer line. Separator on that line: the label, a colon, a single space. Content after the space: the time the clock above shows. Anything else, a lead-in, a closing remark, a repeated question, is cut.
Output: 9:44
